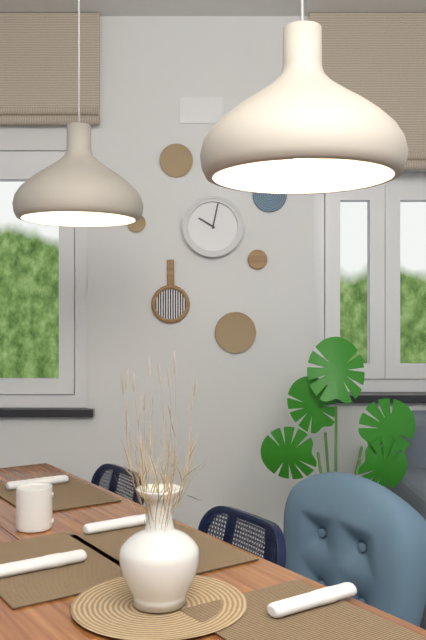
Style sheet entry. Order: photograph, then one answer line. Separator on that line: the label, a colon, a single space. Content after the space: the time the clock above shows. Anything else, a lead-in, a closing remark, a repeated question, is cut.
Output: 10:02
